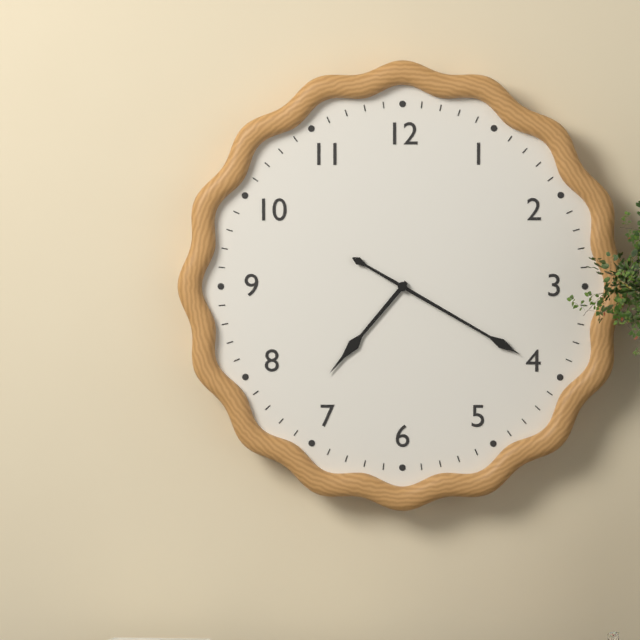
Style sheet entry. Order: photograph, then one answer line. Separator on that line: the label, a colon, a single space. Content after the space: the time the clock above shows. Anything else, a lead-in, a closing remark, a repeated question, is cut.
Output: 7:20
